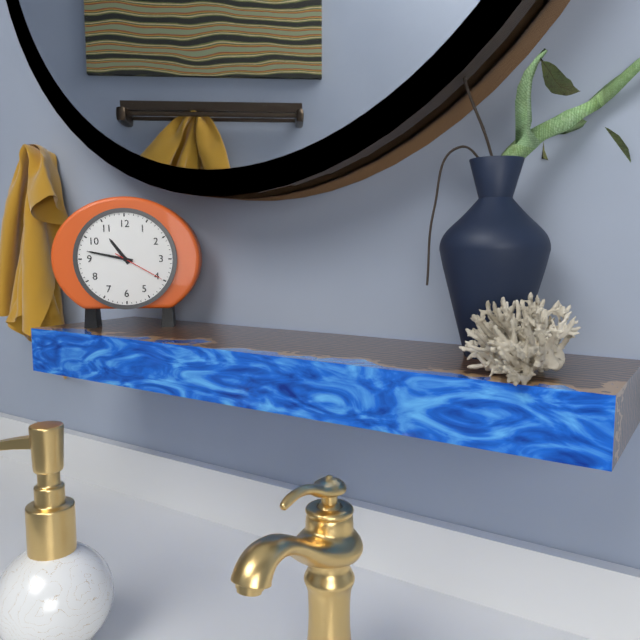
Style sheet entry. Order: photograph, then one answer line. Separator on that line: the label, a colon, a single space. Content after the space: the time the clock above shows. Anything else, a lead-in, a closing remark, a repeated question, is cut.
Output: 10:47:20
